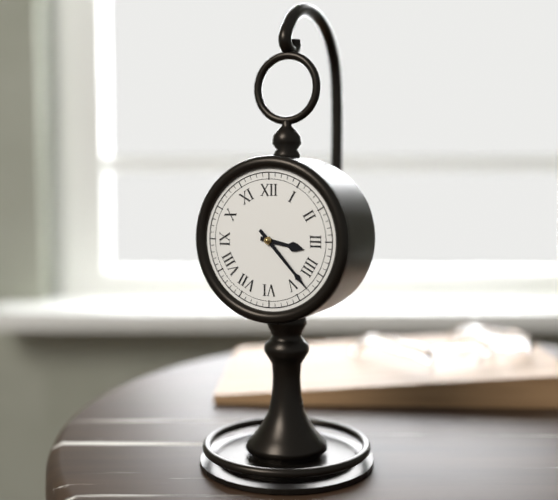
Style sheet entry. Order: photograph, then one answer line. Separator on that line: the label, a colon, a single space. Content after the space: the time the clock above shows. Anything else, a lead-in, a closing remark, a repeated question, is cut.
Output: 3:23
